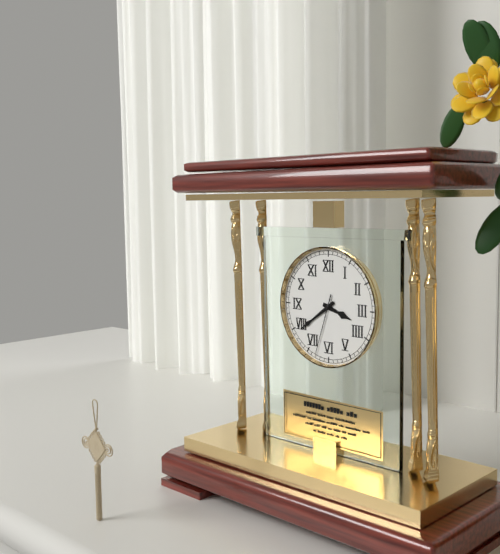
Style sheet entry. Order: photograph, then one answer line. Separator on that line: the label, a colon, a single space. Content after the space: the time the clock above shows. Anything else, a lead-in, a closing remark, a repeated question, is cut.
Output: 3:39:33
